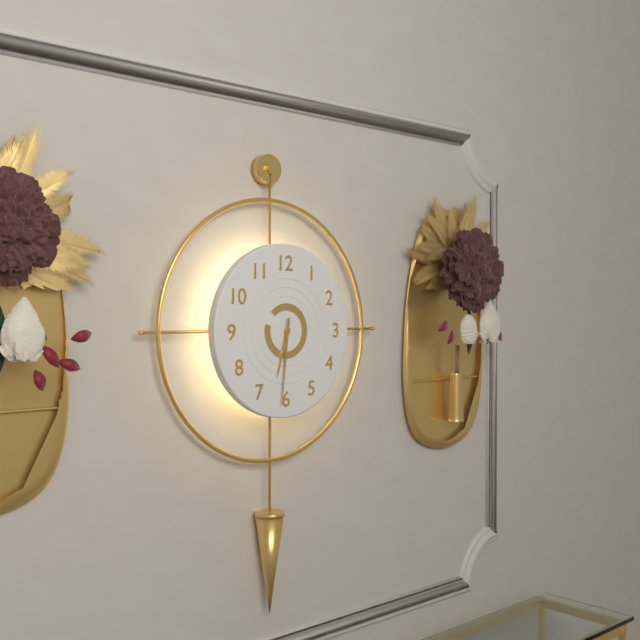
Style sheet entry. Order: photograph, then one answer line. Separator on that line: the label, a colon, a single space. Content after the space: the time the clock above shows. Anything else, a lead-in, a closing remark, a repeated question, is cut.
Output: 6:31
